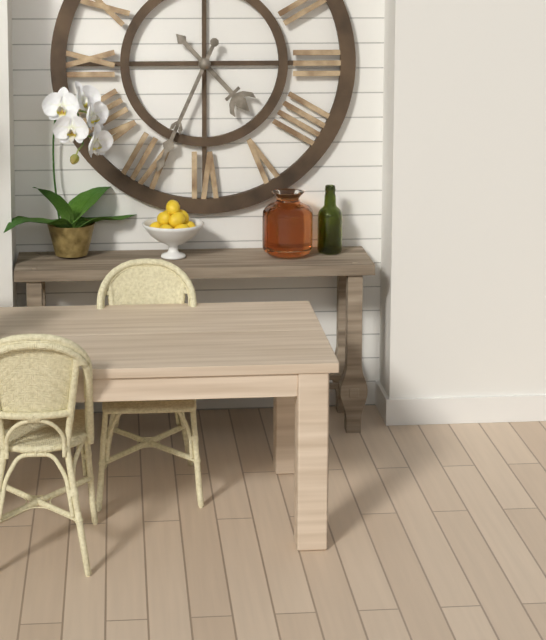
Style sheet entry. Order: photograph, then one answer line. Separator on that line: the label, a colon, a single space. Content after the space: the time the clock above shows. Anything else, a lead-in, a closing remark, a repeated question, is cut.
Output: 4:34
